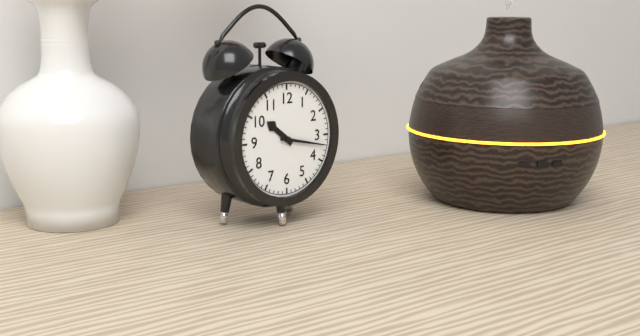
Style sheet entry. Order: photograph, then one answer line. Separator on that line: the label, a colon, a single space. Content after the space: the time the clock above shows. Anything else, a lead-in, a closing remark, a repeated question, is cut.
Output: 10:17
